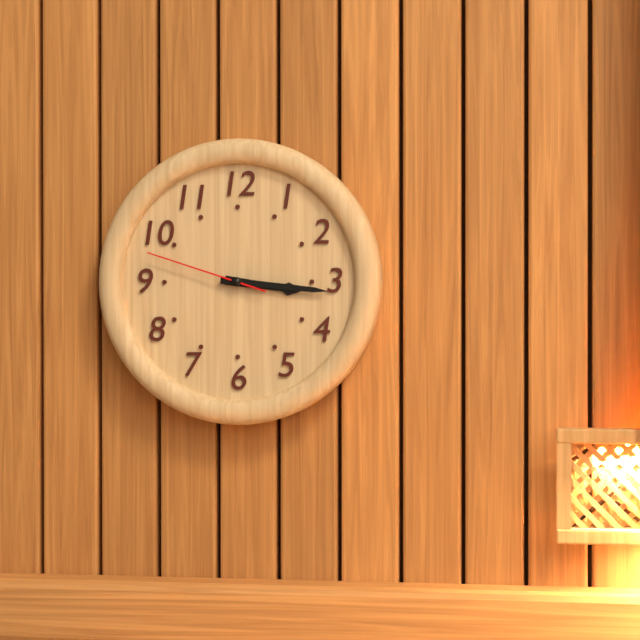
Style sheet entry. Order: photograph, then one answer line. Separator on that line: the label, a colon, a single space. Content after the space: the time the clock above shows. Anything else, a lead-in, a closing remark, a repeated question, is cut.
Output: 3:16:48
